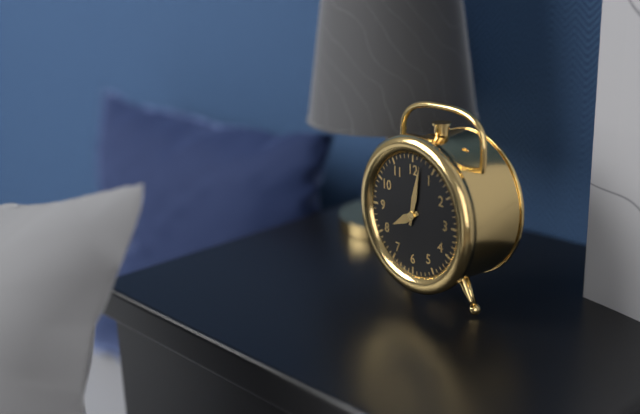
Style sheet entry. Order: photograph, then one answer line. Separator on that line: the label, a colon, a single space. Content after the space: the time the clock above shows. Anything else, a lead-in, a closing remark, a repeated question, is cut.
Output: 8:02
